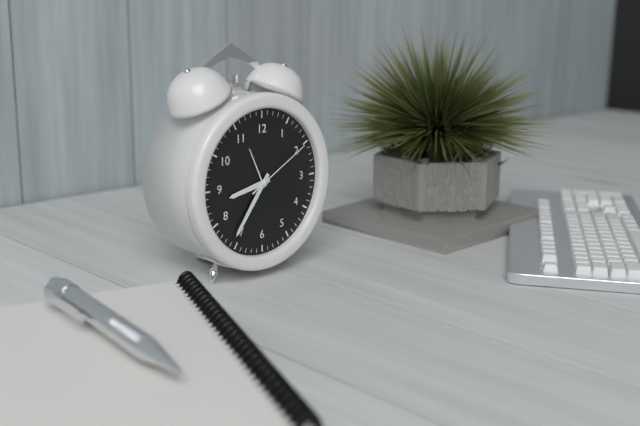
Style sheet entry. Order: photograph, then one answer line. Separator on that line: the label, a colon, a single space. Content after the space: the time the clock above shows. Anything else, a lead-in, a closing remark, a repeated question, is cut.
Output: 8:36:10
